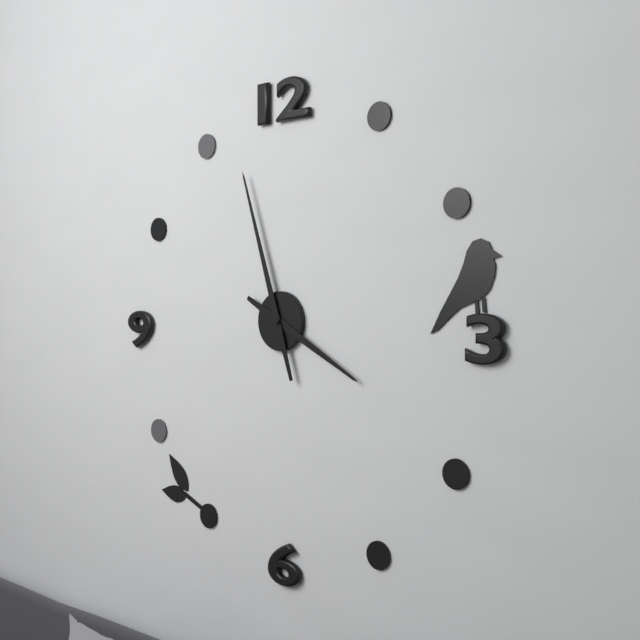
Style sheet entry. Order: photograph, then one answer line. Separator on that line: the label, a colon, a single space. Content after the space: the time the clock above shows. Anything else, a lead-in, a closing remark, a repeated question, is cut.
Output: 3:57
